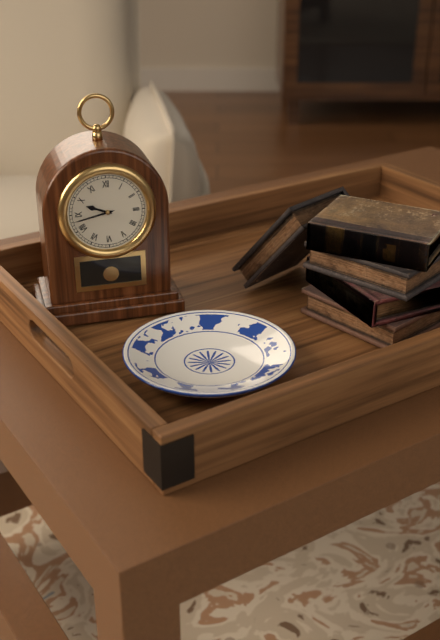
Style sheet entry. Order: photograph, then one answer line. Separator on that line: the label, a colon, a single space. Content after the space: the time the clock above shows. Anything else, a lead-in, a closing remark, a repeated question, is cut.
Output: 9:43
